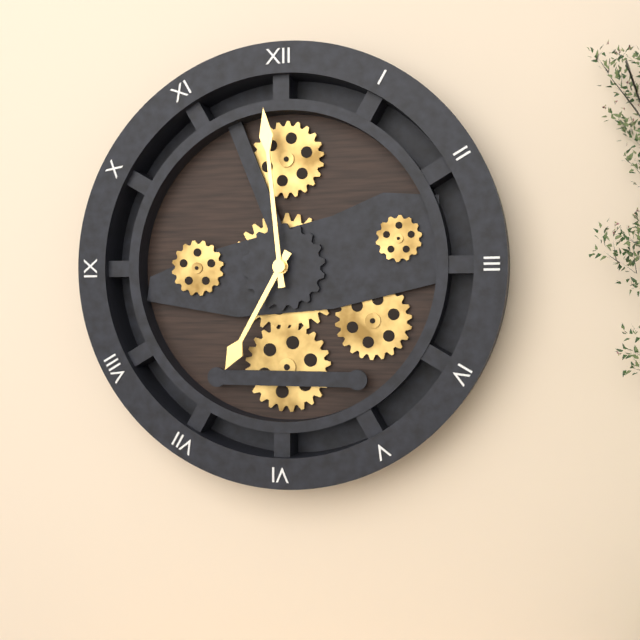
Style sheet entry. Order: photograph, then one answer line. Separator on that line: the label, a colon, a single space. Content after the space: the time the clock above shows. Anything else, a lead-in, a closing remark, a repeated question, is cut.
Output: 6:59
